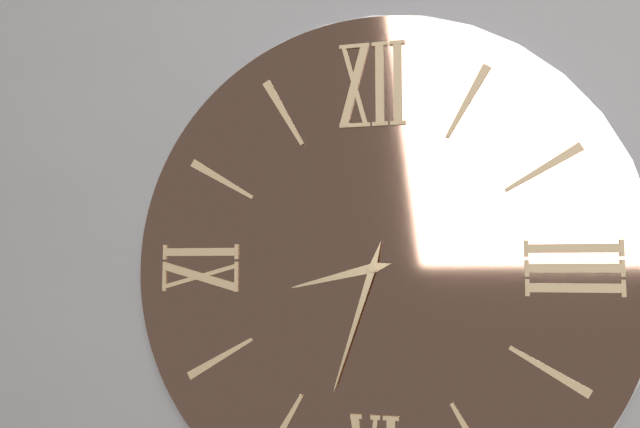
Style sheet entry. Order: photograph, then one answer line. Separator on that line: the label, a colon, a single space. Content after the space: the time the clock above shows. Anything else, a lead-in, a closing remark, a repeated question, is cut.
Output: 8:33
